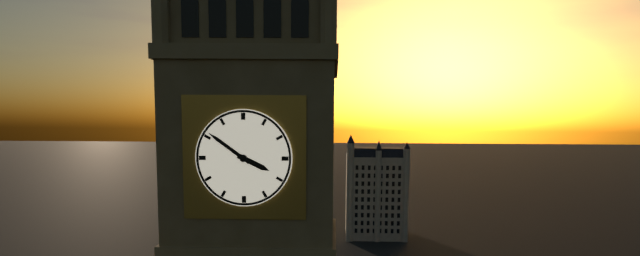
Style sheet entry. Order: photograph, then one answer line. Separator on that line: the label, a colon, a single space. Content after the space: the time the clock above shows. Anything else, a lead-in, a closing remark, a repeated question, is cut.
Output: 3:51
